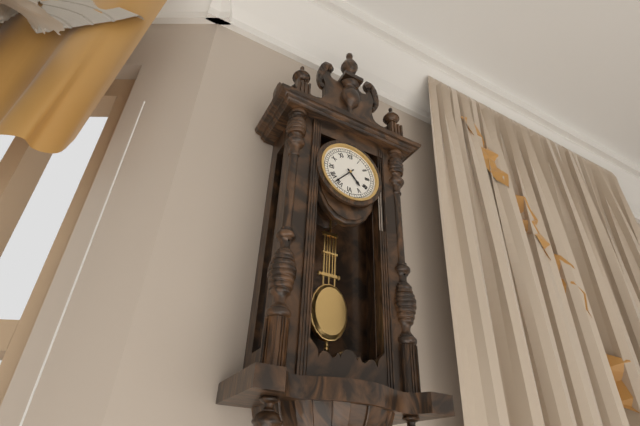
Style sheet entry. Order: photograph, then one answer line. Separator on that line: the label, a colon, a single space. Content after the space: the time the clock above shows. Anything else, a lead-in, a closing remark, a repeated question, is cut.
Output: 4:37
